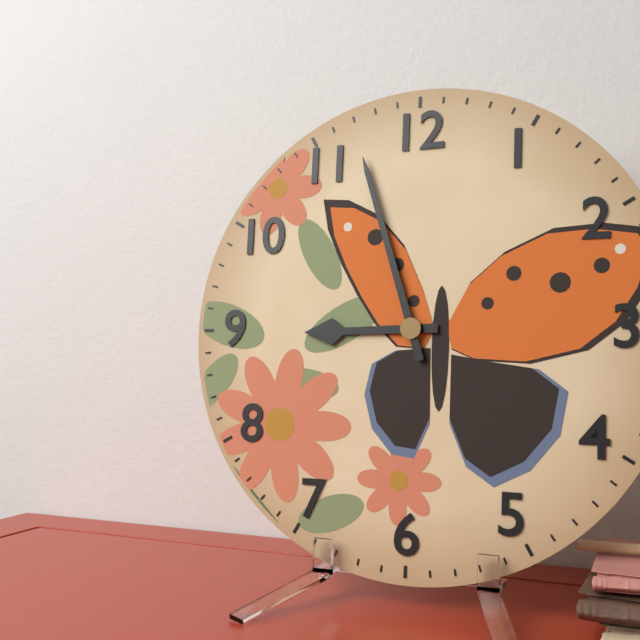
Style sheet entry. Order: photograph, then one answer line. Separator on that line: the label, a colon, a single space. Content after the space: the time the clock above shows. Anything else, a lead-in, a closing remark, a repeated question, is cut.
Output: 8:57
